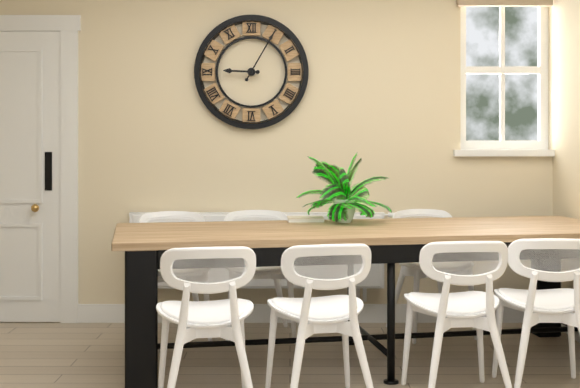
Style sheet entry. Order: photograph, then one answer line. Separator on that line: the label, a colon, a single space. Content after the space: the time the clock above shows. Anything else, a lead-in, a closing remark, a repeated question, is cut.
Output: 9:05
